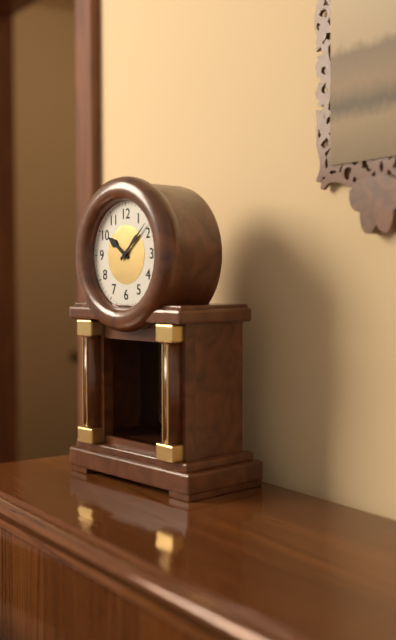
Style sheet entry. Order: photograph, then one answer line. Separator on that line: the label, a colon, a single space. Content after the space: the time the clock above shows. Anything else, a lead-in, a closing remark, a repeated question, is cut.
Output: 10:08
